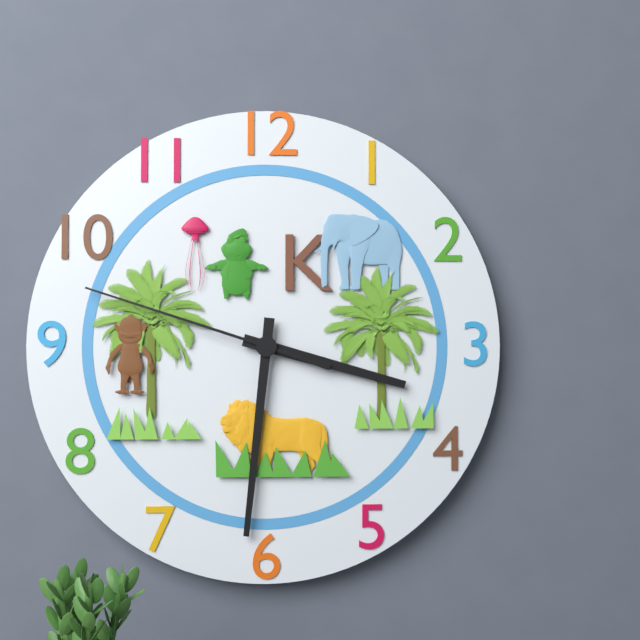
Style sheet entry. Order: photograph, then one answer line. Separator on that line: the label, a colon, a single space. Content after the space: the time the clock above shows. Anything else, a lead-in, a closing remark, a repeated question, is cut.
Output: 3:31:48
